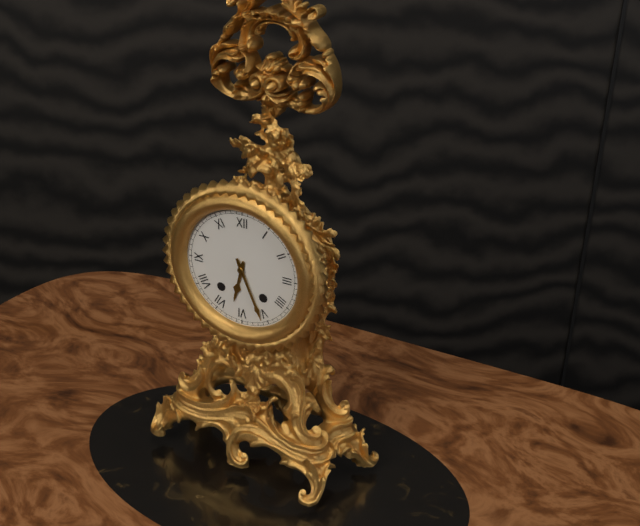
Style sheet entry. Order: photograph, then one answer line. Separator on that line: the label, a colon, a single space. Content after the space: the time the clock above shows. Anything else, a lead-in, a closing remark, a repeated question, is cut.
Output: 6:26
